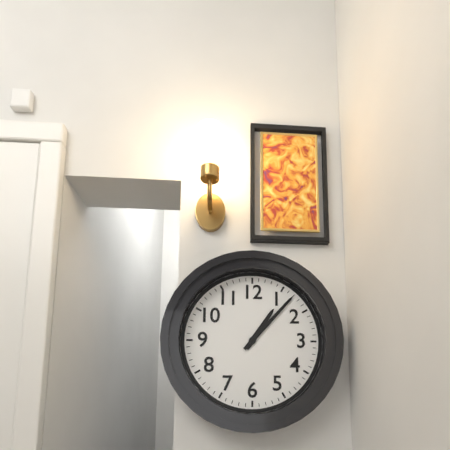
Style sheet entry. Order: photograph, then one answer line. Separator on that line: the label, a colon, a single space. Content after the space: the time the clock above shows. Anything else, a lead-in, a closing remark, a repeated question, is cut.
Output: 1:07
